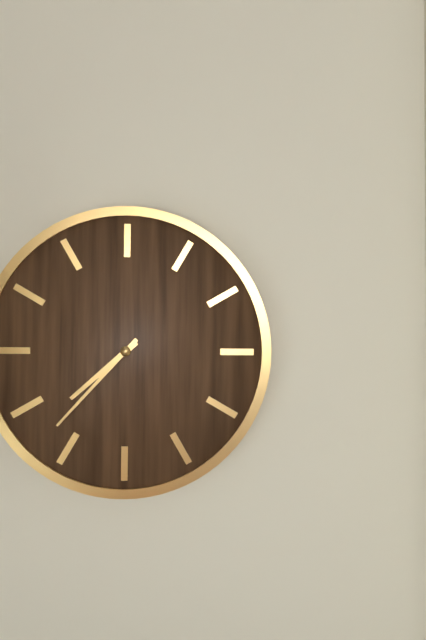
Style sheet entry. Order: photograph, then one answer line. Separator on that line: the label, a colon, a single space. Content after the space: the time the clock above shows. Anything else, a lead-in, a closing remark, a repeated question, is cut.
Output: 7:37
